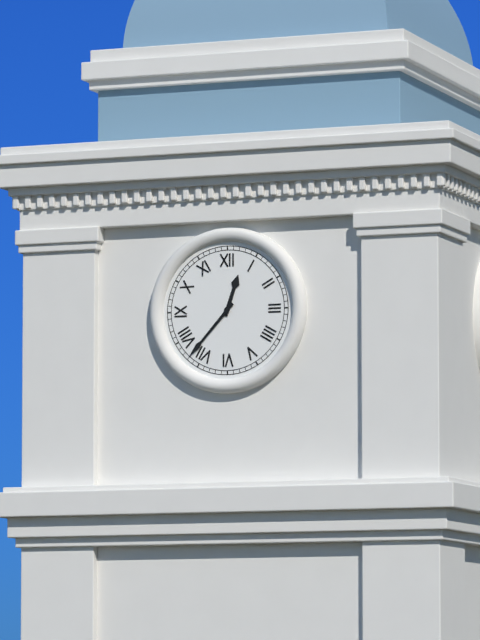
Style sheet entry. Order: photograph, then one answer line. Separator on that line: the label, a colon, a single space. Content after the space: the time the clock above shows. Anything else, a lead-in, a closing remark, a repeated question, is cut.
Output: 12:37
